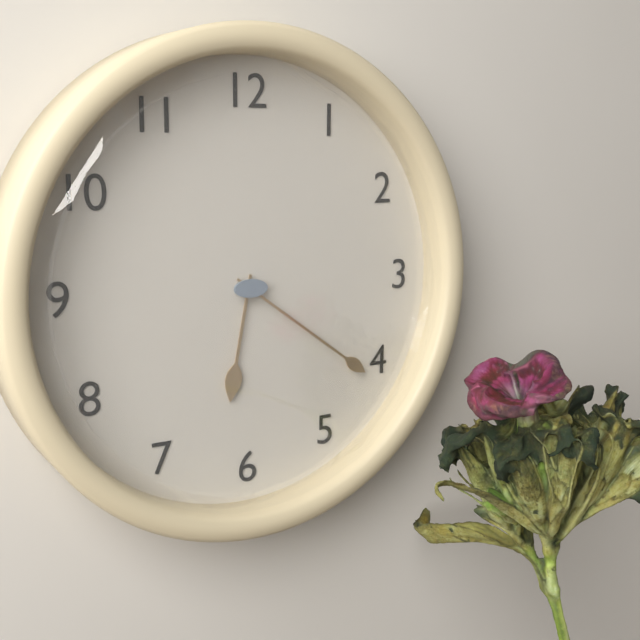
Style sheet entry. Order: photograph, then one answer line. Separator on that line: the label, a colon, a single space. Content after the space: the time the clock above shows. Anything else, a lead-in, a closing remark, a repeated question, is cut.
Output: 6:21
